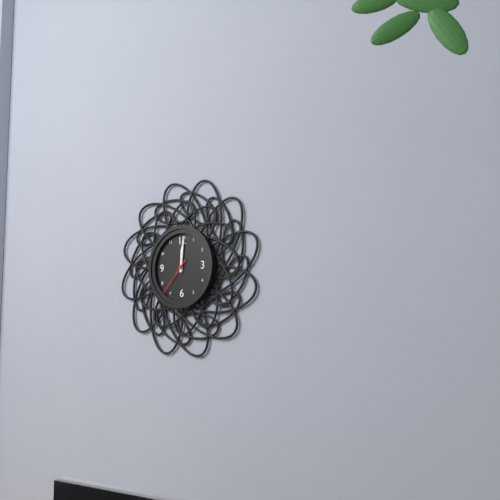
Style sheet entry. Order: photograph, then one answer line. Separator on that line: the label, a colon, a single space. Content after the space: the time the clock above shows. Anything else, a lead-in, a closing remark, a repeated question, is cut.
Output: 12:01
